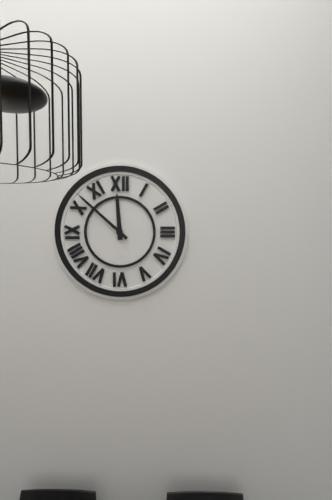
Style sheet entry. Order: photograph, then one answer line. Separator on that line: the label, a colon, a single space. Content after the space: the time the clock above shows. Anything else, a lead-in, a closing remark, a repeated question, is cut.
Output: 11:52
